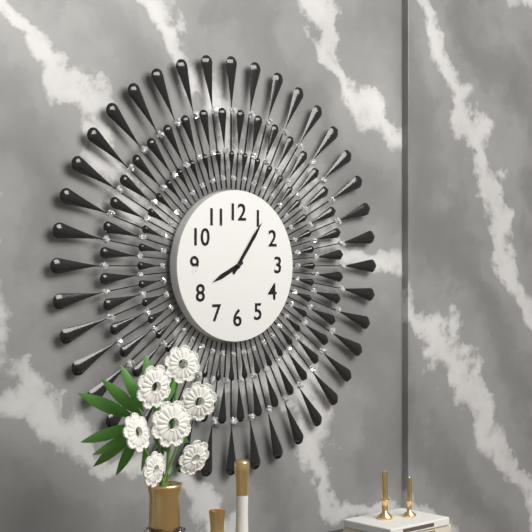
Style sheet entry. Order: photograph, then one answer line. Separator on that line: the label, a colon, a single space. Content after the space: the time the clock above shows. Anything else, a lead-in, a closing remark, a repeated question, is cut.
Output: 8:06
